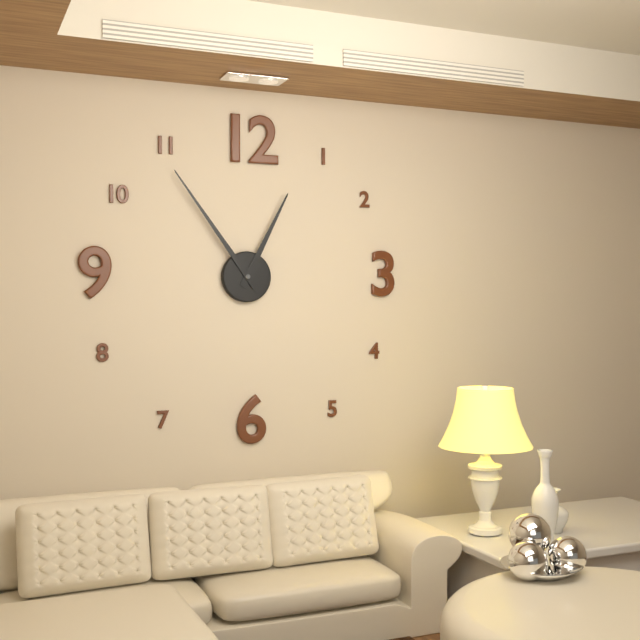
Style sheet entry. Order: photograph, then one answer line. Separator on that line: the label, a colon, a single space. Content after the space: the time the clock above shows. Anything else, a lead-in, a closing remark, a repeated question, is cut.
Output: 12:54
